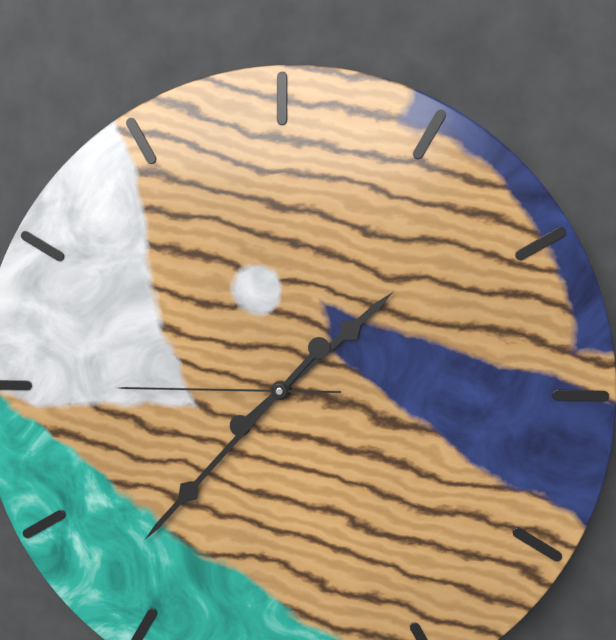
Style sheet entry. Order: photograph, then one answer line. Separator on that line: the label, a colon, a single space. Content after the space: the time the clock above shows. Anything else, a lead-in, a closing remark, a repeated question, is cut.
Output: 1:37:45
